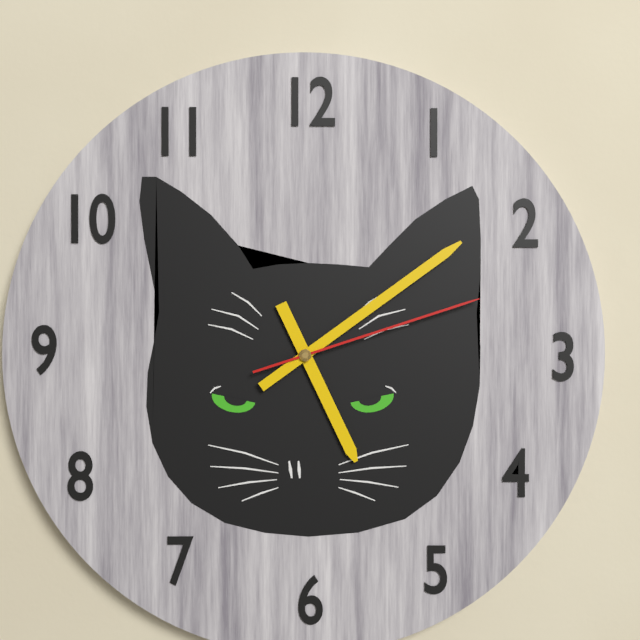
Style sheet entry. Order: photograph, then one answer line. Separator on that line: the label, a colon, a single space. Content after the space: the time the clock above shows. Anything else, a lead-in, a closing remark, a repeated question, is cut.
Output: 5:09:12
